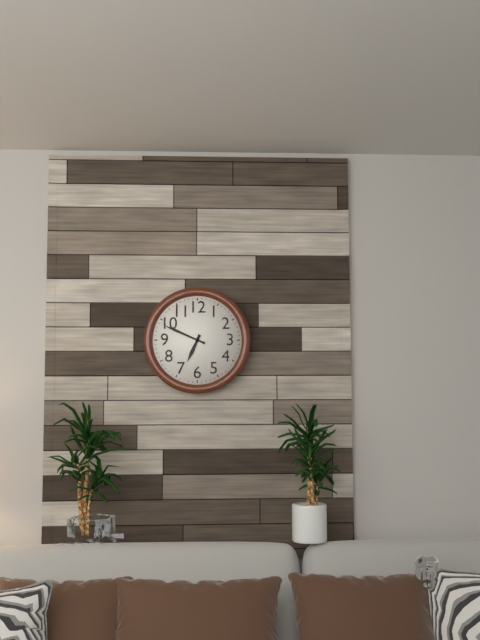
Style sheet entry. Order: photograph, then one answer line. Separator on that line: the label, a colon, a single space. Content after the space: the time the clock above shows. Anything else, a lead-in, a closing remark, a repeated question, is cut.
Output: 6:49
